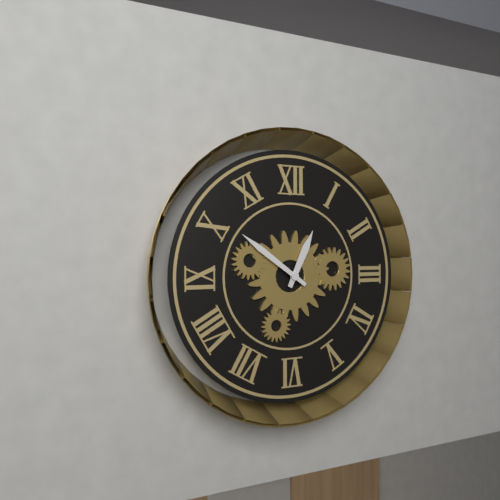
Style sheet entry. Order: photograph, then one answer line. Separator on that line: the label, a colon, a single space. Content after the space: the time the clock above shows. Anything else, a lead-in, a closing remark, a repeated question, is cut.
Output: 12:51
